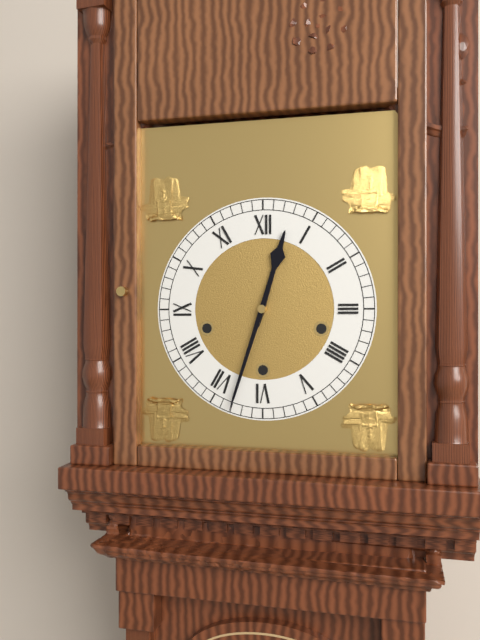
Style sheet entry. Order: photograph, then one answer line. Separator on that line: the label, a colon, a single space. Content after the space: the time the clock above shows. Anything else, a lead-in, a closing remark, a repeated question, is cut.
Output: 12:33
